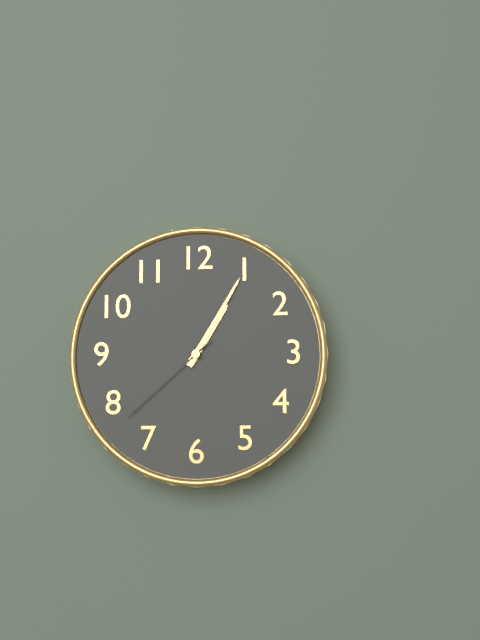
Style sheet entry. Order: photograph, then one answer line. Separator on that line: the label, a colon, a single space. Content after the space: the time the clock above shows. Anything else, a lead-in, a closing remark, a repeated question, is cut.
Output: 1:05:38
